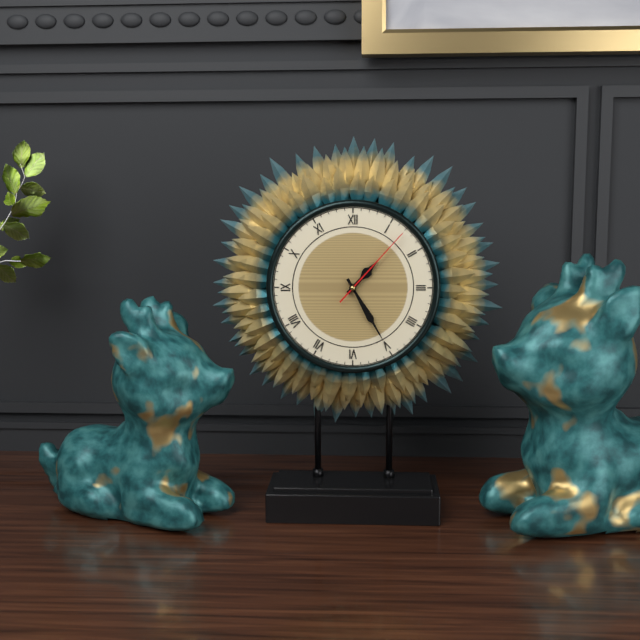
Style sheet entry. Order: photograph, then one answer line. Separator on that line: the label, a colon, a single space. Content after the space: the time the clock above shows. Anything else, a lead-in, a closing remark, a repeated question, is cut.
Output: 1:25:07
